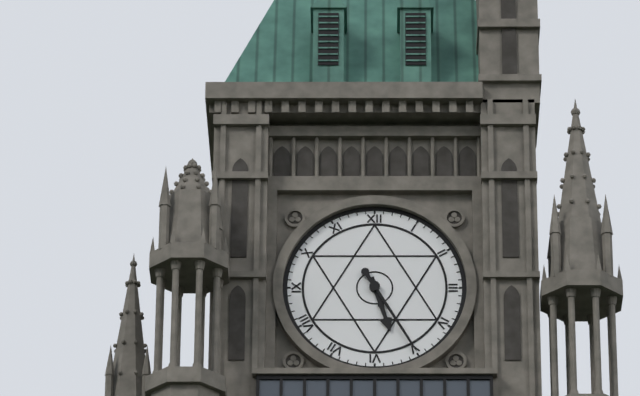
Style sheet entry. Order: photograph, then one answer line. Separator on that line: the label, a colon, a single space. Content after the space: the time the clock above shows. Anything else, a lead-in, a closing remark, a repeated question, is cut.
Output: 5:25
